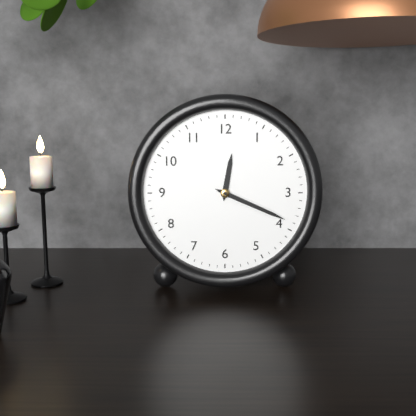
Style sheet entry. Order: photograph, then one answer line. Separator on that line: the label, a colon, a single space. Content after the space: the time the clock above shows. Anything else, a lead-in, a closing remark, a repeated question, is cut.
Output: 12:19
